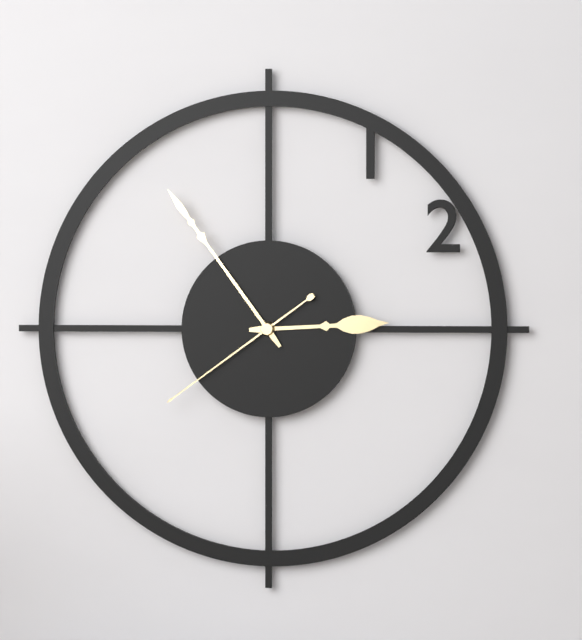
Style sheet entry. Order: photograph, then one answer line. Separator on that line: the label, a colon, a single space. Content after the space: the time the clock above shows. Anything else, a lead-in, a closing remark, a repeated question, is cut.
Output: 2:54:39
